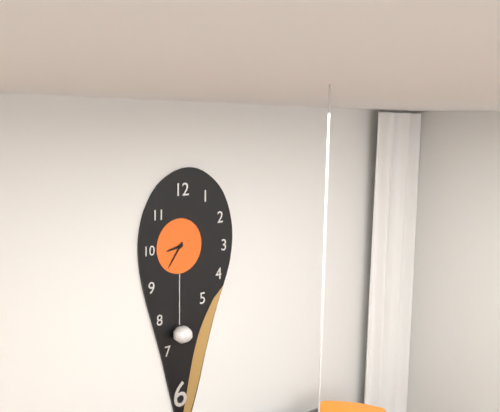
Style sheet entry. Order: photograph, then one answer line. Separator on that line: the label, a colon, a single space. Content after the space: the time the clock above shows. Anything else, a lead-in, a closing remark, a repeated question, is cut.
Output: 8:36
